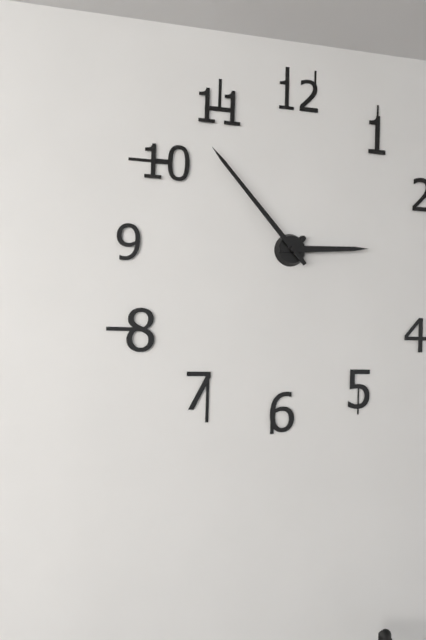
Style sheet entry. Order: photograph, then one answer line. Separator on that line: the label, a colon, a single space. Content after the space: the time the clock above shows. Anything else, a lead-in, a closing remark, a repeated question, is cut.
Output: 2:53
